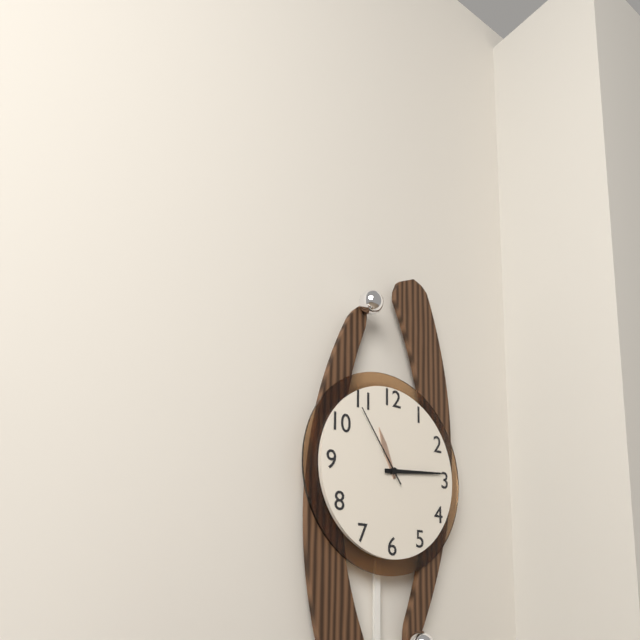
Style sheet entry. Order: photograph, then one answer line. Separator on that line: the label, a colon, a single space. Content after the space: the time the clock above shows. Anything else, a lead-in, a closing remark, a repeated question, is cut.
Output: 11:14:54
